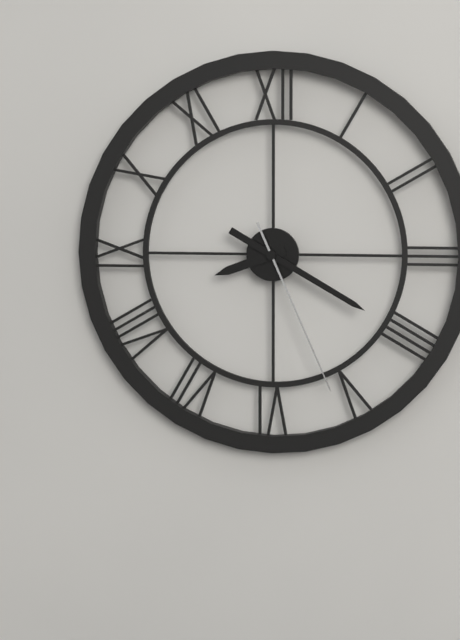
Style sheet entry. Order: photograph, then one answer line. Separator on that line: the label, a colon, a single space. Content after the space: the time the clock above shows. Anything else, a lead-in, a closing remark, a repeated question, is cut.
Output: 8:20:26
